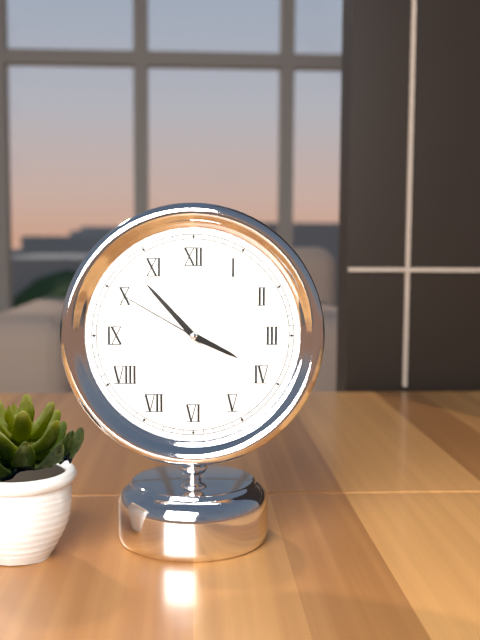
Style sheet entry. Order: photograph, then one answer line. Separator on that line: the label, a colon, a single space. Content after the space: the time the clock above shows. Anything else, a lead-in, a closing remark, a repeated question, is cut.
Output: 3:53:50
